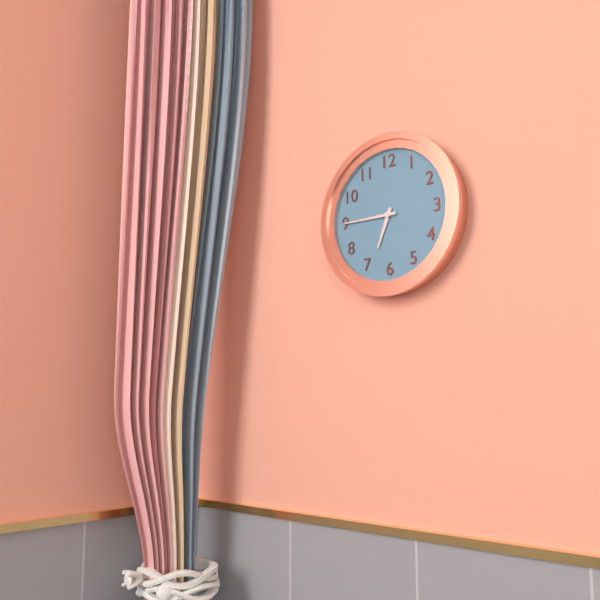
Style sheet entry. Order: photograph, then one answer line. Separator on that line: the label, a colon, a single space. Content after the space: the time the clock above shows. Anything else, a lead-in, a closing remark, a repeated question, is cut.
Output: 6:45
